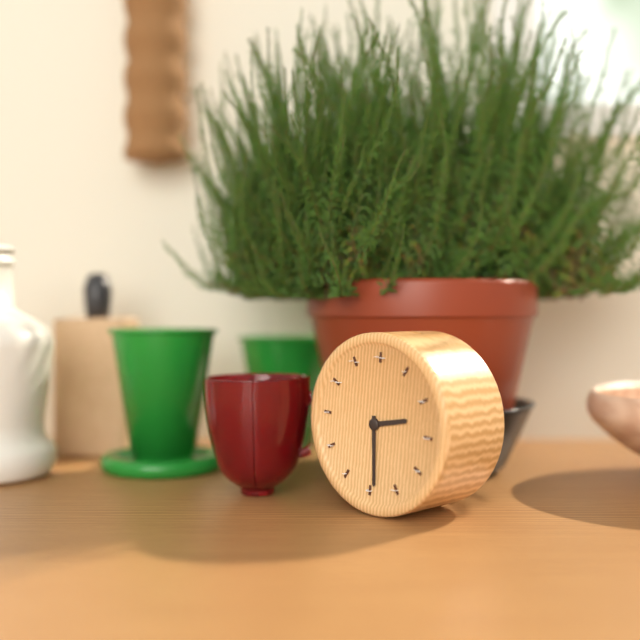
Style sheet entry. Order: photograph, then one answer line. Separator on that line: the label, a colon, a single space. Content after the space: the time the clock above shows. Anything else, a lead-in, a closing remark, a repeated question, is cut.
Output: 2:29
